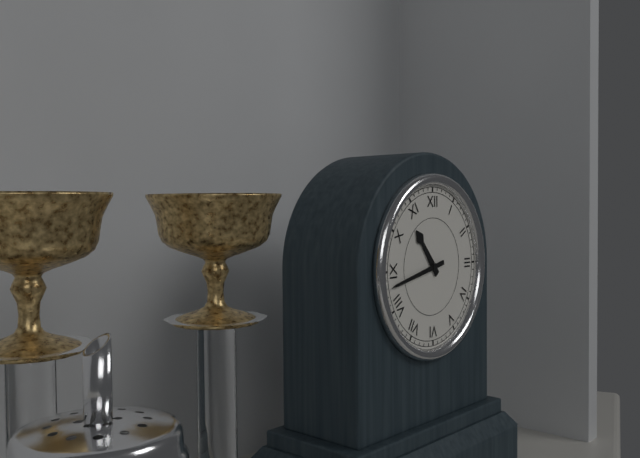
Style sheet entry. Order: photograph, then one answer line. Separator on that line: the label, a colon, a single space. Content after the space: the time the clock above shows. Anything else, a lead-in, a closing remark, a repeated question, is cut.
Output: 10:43
